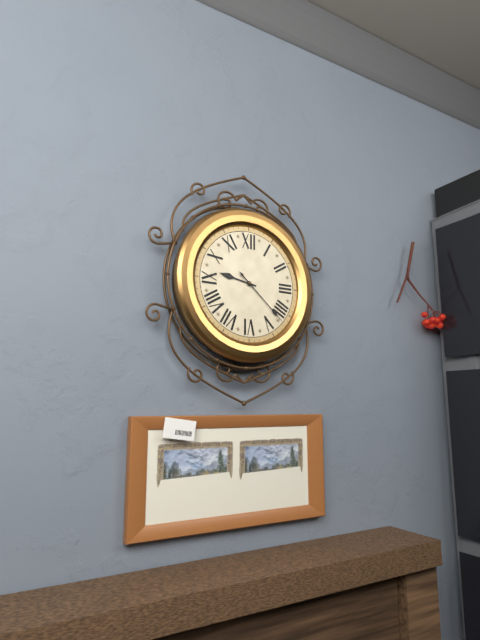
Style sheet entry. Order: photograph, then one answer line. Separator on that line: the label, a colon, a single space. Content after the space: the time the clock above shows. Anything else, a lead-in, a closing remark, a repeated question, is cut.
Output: 9:22
